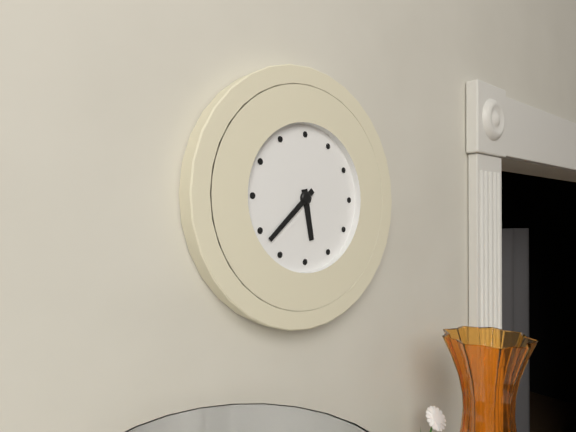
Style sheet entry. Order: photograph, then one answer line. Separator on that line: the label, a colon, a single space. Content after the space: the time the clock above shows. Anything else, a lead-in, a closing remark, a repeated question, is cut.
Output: 5:38
